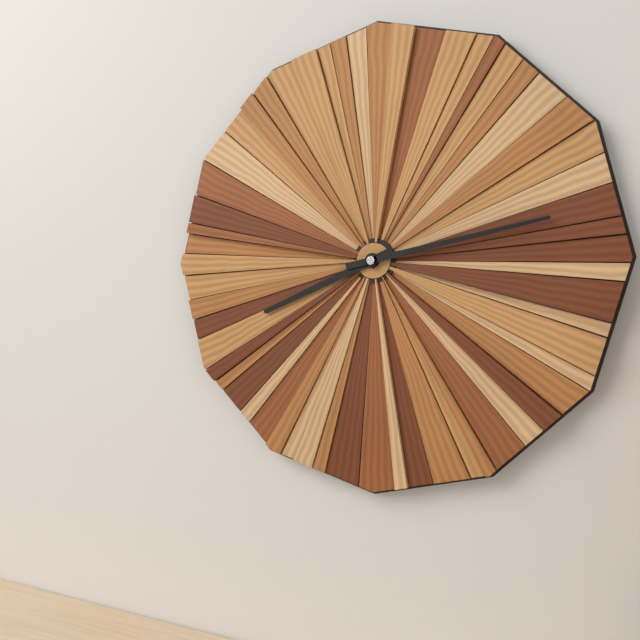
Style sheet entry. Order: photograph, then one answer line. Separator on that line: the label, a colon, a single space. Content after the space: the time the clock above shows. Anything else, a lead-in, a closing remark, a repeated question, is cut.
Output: 8:13
